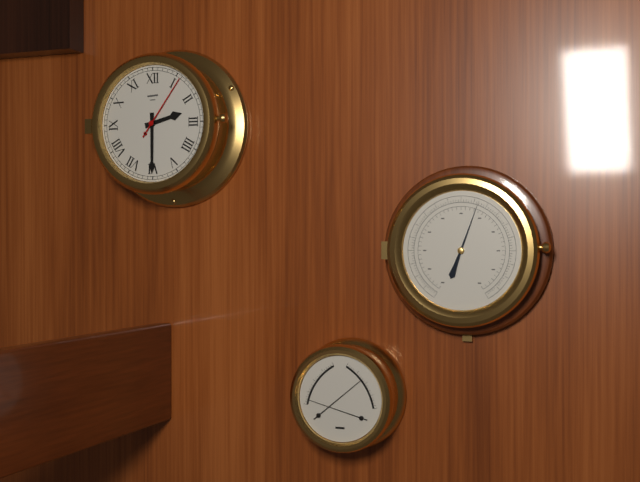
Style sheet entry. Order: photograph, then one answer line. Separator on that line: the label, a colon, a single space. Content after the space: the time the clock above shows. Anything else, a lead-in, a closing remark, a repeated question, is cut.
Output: 2:30:06
